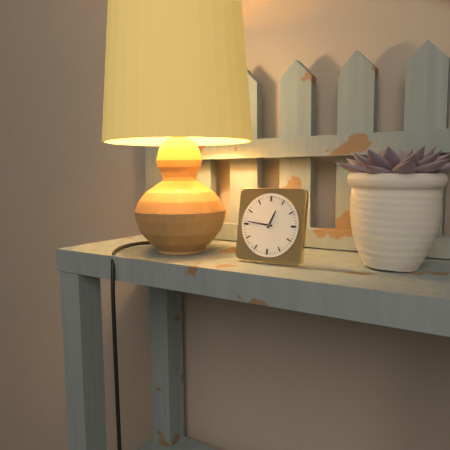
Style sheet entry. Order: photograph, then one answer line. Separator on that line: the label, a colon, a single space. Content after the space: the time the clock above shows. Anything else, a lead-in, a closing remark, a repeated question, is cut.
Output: 12:46
